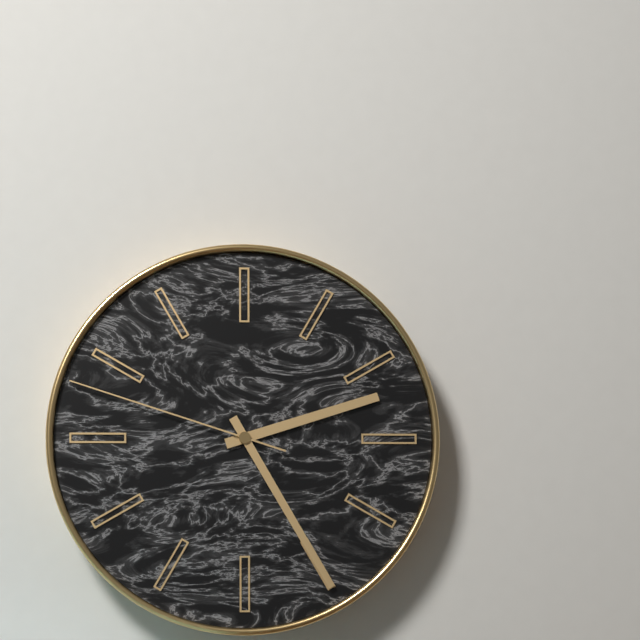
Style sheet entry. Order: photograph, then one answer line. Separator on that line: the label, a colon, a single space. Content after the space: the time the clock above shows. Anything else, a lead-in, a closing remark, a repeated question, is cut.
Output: 2:25:48
